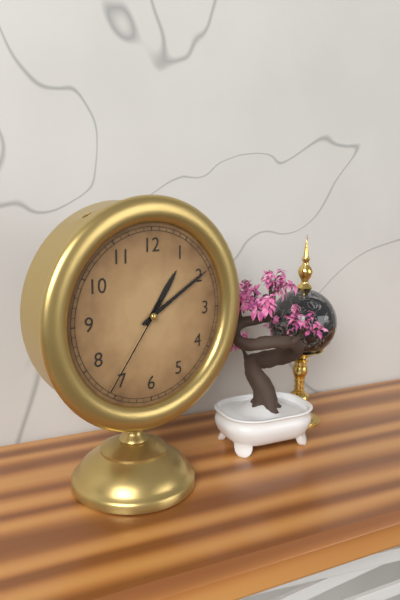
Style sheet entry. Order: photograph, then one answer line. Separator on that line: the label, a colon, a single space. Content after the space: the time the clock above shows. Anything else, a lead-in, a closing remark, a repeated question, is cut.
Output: 1:10:36
